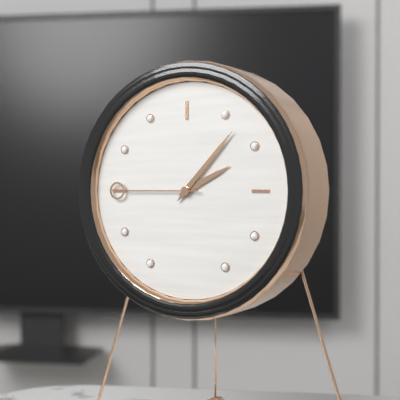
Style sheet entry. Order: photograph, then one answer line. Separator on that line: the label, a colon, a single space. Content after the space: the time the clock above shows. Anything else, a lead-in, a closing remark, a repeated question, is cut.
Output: 2:07:45
